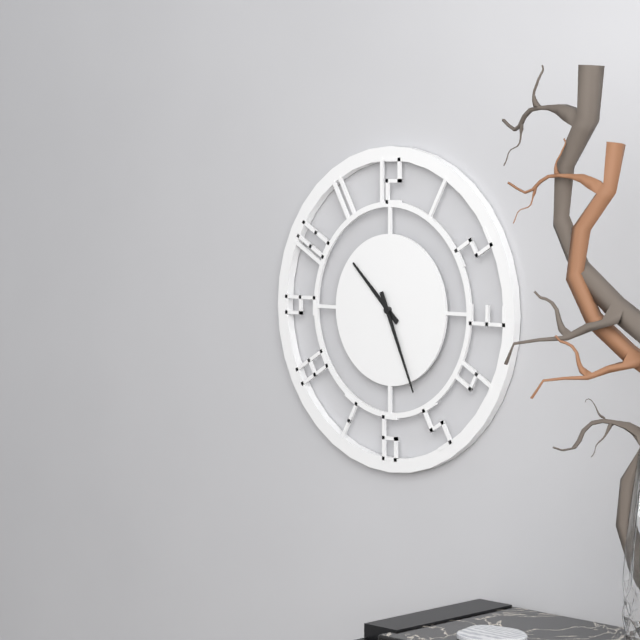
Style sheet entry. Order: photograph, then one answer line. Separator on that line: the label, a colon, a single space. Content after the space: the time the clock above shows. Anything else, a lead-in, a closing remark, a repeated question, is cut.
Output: 10:26
